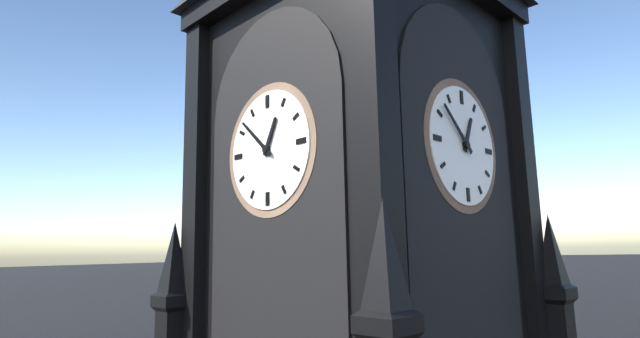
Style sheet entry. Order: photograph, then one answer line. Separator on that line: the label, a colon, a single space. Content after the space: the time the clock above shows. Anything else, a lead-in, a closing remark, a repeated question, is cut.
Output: 12:52
